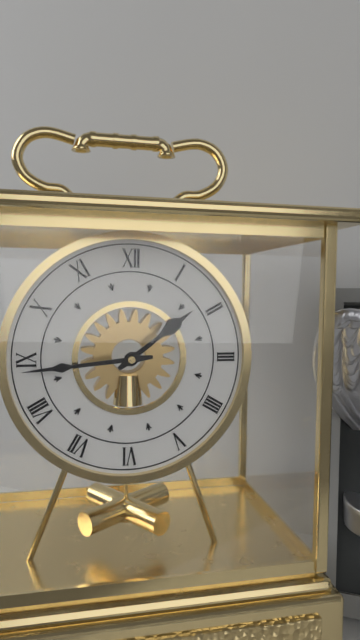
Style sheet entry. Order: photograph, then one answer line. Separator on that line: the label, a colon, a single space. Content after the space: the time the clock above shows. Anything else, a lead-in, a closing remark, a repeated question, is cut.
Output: 1:44
